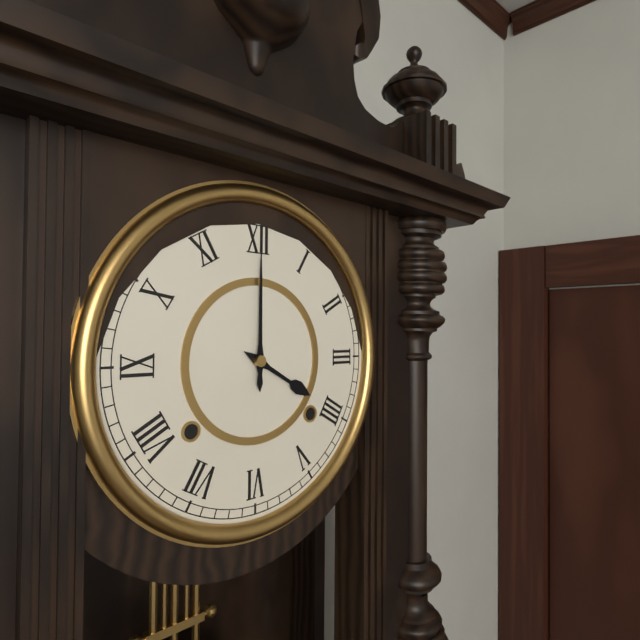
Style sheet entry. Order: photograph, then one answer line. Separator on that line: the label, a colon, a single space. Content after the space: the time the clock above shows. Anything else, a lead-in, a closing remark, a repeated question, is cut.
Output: 4:00
